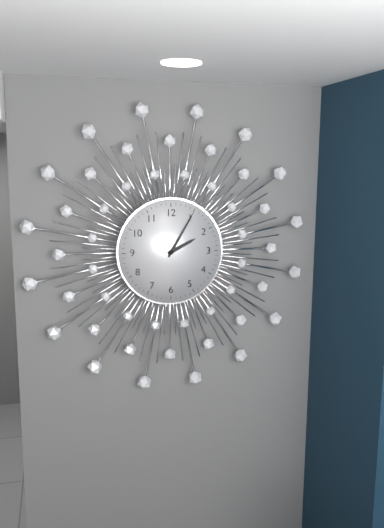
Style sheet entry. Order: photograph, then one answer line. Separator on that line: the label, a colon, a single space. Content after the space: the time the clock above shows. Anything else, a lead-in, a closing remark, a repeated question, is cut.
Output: 2:05
